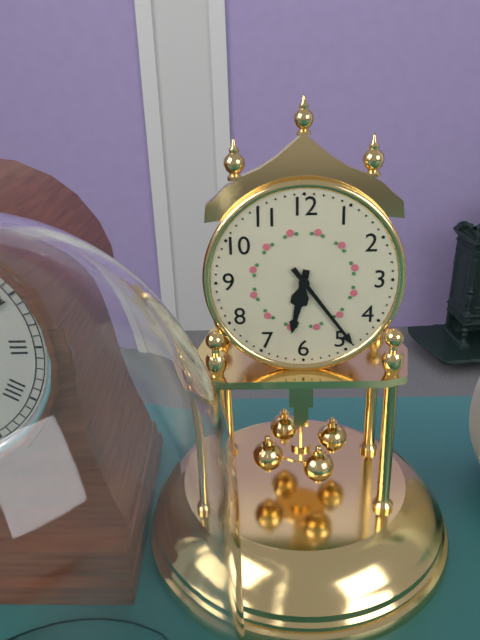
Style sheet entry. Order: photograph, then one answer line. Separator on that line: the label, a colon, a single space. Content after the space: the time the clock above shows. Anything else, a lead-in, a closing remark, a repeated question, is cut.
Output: 6:24
